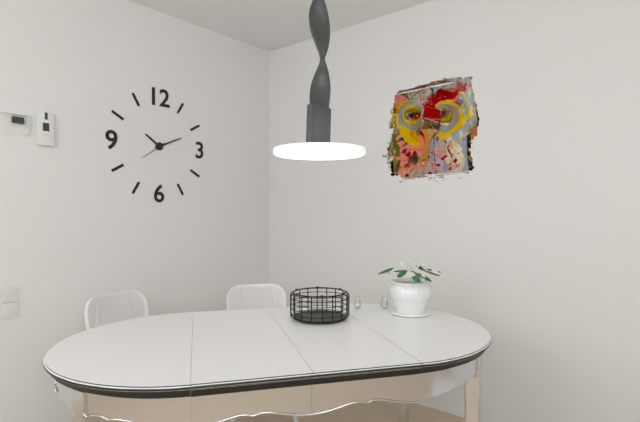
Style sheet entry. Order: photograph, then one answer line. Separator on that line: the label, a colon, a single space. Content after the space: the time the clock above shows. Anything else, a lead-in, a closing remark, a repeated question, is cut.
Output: 10:11
